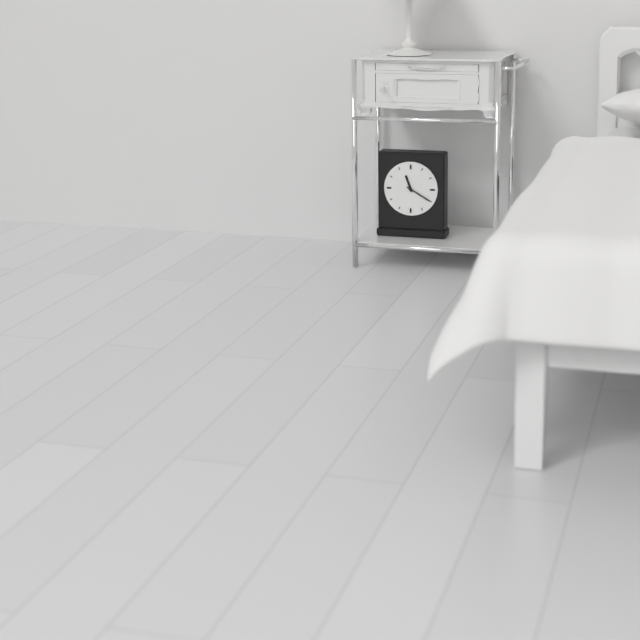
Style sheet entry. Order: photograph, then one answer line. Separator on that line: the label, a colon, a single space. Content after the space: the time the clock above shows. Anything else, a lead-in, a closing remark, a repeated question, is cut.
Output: 11:20
